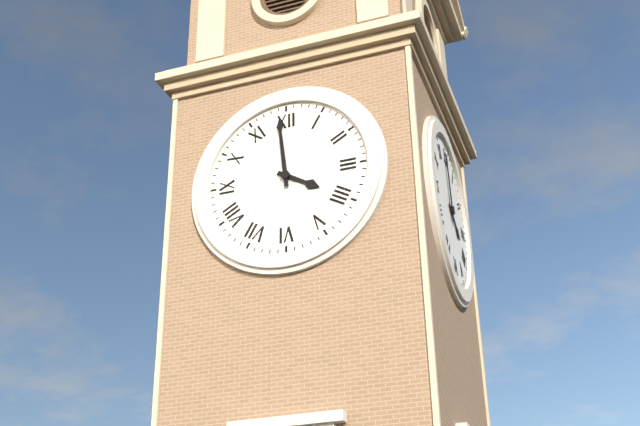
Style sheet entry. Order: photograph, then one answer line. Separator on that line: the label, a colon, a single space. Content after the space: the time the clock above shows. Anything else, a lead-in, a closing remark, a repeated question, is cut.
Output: 3:59
